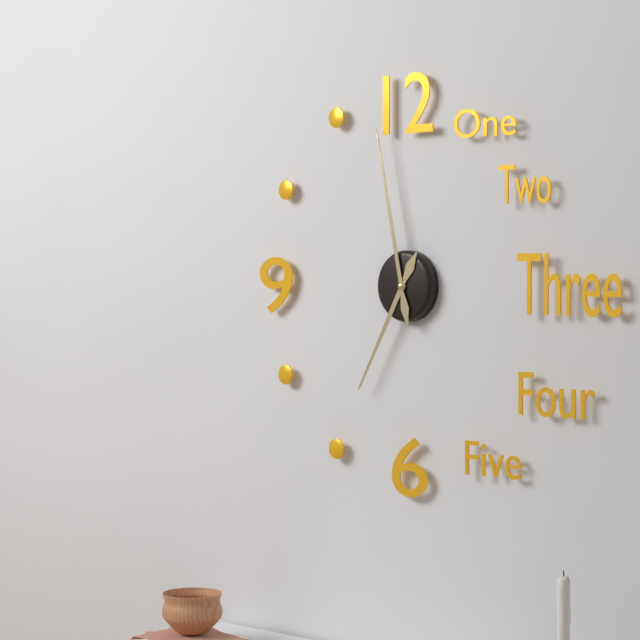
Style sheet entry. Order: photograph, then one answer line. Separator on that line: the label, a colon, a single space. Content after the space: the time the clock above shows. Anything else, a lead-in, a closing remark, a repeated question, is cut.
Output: 6:58
